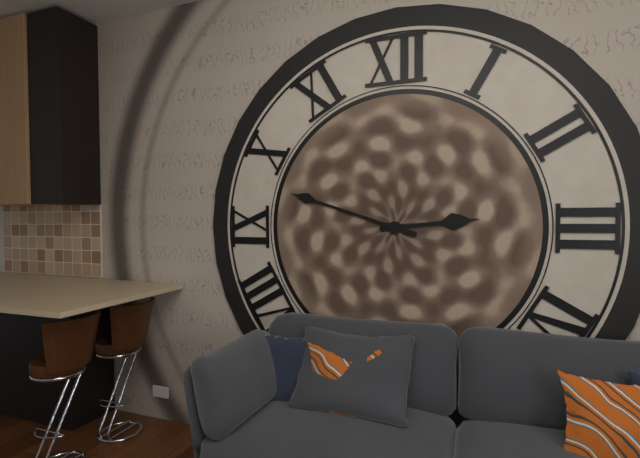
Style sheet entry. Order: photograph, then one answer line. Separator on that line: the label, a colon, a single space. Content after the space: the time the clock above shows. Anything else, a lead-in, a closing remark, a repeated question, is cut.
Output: 2:48
